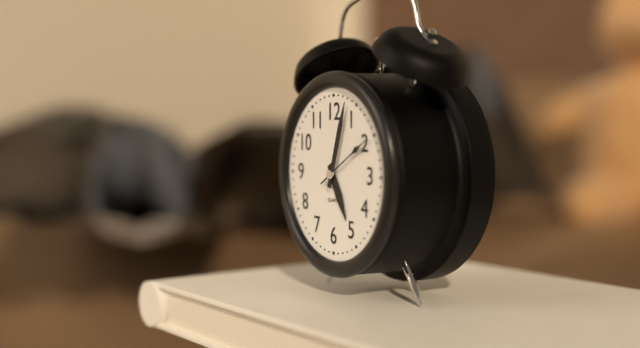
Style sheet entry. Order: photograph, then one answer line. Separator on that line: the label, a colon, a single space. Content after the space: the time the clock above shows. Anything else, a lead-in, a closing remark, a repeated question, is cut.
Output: 5:03:10
